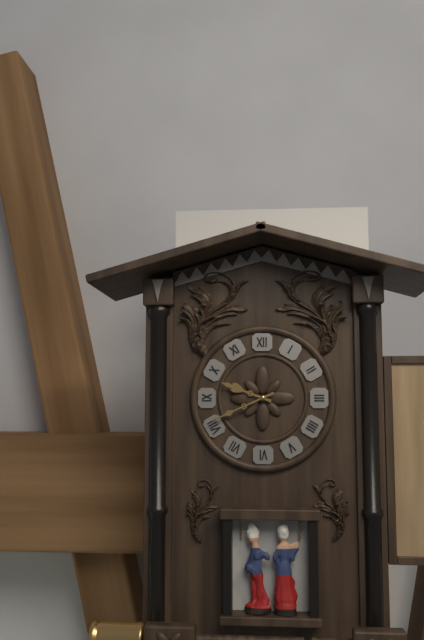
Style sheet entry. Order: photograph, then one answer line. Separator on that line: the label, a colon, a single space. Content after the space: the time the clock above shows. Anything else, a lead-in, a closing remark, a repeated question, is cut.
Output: 9:41
